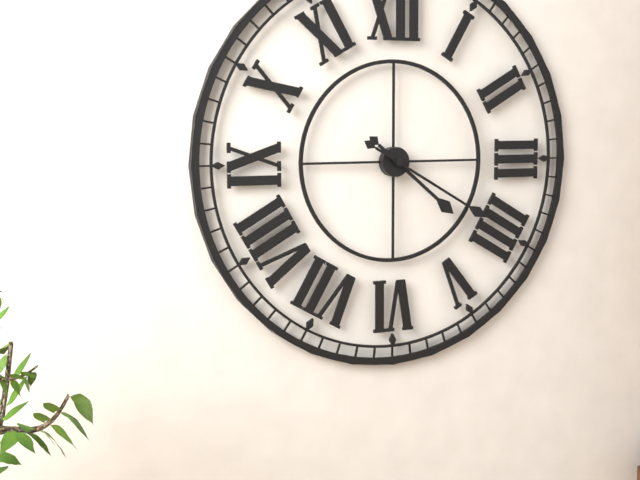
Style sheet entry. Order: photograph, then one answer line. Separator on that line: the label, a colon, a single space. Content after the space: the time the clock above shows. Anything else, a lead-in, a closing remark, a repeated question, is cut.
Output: 4:20
